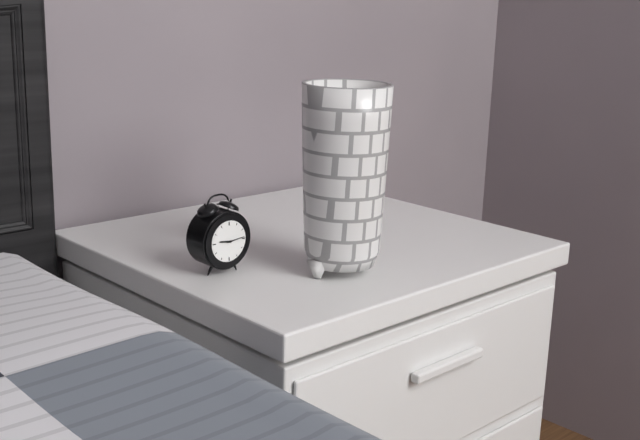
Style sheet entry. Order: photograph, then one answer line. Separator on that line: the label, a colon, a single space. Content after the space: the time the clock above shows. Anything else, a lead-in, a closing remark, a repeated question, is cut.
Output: 9:14
